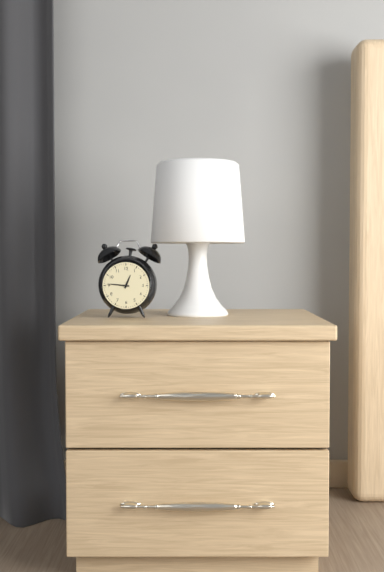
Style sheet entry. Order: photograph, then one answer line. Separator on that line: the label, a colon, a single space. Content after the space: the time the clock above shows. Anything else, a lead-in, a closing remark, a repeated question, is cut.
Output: 12:46
